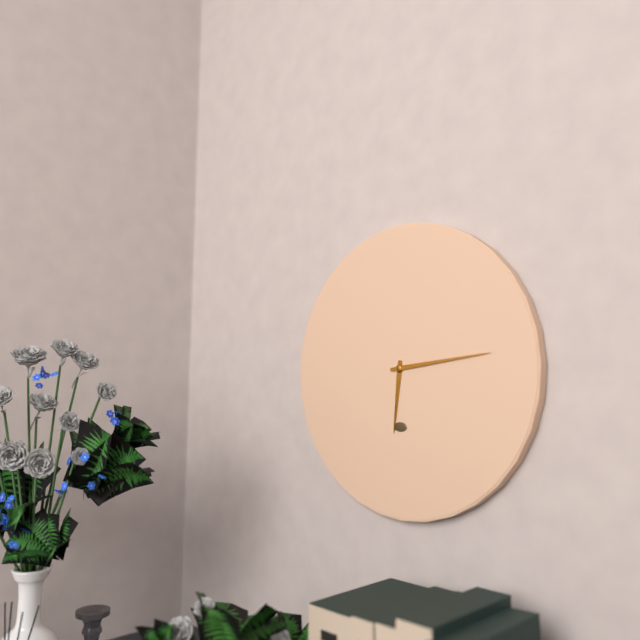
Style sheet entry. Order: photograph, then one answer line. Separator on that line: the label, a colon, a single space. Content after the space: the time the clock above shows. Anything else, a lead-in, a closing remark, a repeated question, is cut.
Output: 6:14
